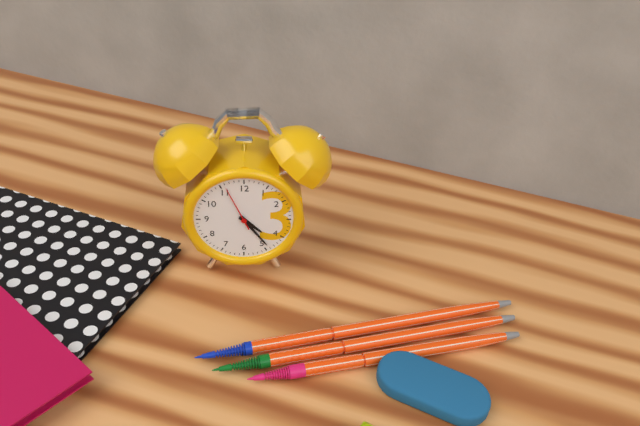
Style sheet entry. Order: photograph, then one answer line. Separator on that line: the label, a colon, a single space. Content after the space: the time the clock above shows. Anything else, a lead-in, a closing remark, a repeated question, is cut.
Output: 4:24
